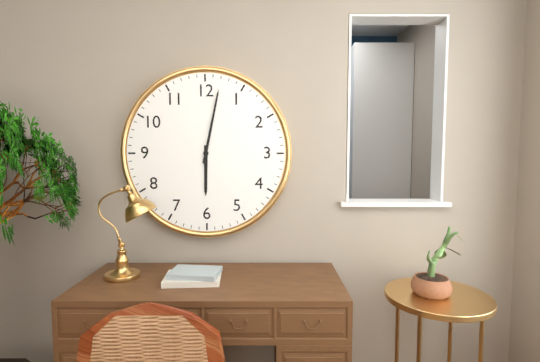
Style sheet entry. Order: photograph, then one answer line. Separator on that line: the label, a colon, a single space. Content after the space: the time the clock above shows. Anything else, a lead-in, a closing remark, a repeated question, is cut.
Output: 6:02
